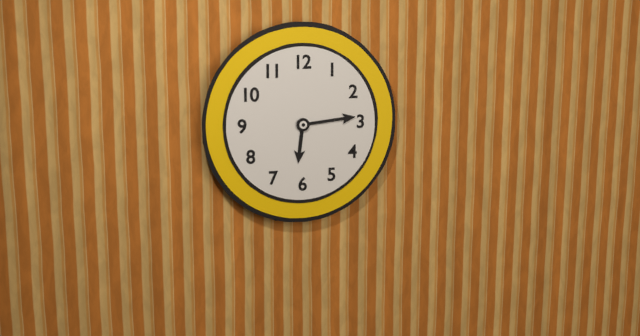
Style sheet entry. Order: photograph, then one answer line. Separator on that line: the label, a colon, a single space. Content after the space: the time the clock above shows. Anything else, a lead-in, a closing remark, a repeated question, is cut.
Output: 6:14
